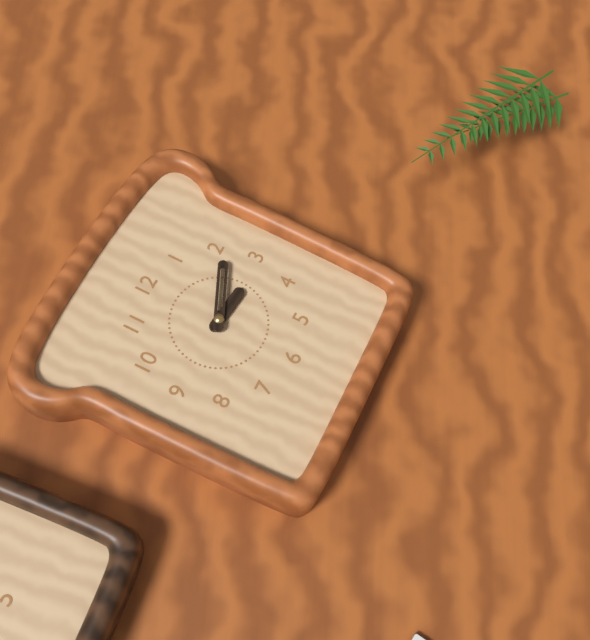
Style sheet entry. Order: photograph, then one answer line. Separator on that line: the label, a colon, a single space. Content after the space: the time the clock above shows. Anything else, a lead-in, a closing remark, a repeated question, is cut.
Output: 3:11
